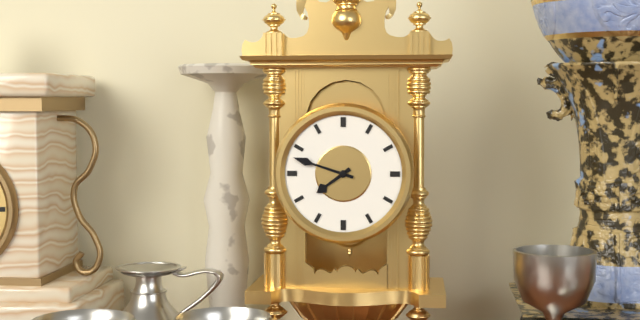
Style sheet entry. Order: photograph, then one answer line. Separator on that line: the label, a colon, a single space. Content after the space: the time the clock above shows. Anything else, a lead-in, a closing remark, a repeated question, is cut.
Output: 7:48
